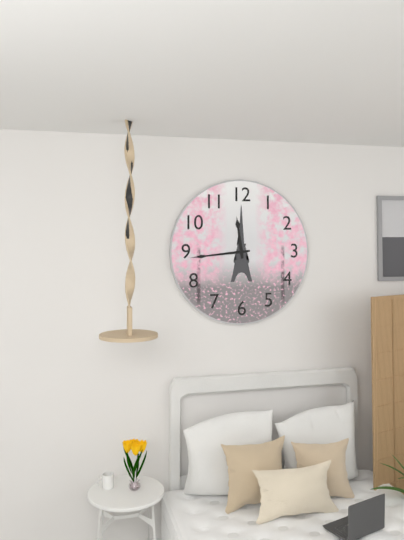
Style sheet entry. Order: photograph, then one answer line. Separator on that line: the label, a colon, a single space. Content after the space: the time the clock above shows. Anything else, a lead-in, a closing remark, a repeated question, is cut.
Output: 11:44
